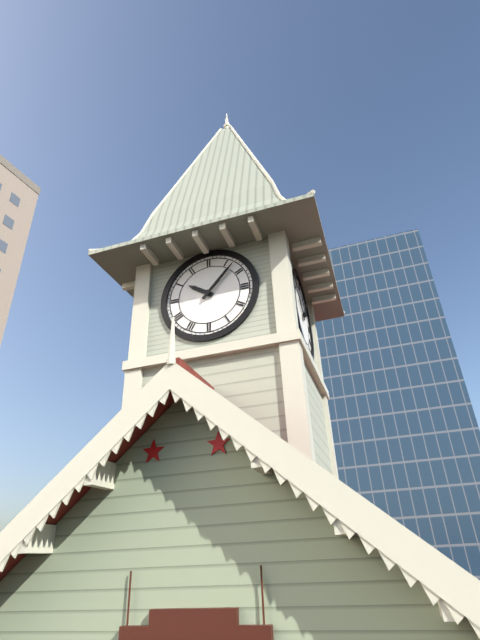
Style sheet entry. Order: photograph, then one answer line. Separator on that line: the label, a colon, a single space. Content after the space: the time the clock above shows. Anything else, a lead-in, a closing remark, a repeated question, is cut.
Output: 10:07
